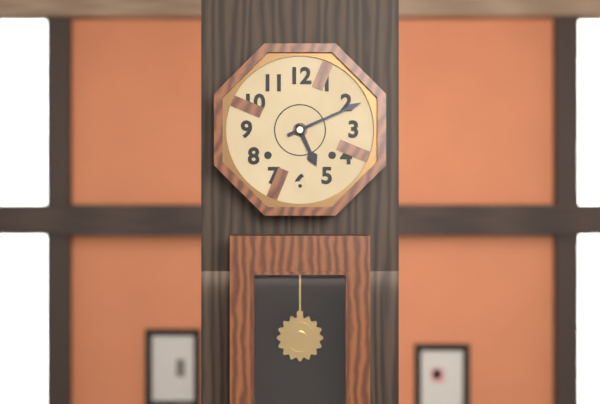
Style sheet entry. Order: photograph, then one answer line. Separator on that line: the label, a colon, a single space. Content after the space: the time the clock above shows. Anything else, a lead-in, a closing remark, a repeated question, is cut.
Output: 5:11
